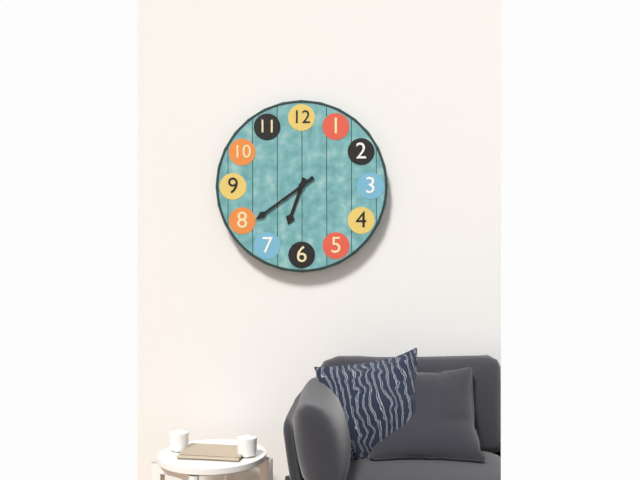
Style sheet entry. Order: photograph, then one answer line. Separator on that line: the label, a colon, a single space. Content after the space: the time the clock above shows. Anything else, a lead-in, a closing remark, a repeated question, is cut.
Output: 6:39
